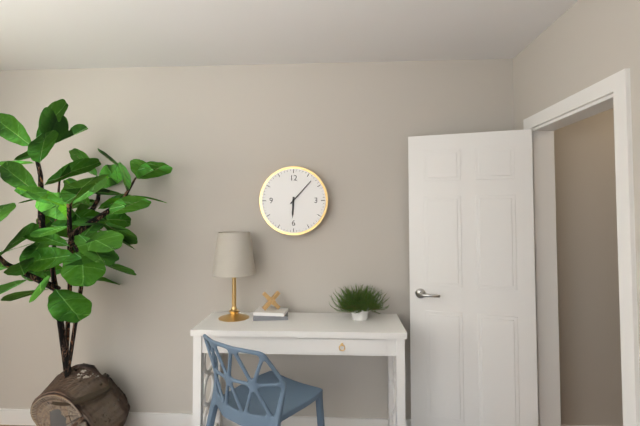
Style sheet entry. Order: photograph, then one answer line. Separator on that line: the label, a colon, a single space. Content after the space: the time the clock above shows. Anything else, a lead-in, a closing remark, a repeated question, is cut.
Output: 6:07
